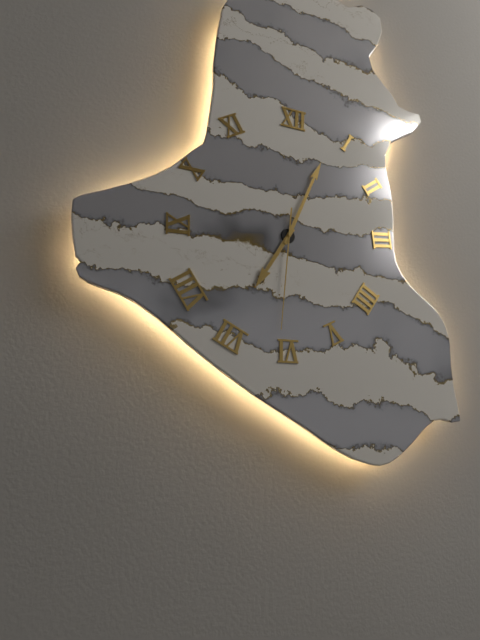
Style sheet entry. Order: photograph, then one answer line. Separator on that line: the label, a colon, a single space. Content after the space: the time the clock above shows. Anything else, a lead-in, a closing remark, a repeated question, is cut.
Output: 7:04:31
